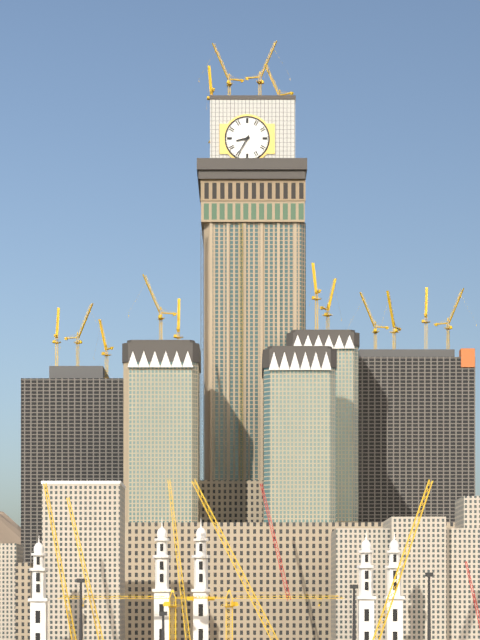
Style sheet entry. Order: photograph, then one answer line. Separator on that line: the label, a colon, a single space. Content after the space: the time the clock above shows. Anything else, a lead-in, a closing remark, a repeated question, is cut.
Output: 8:35
